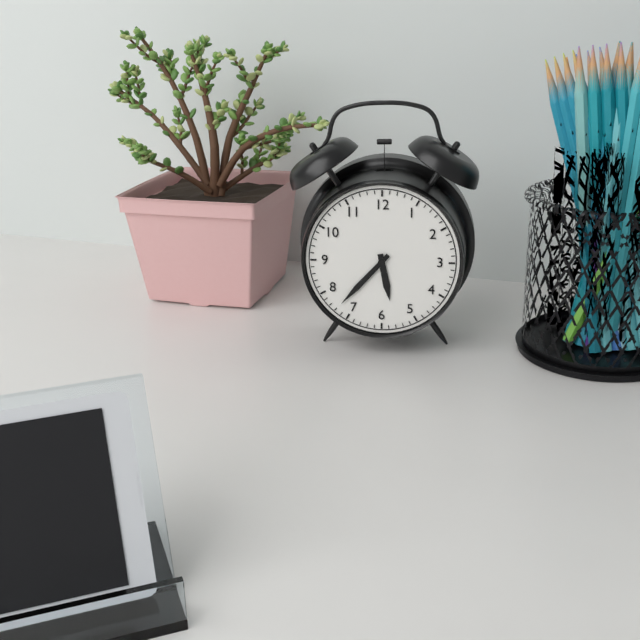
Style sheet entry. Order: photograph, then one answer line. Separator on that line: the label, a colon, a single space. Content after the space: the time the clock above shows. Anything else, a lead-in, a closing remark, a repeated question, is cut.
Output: 5:37
